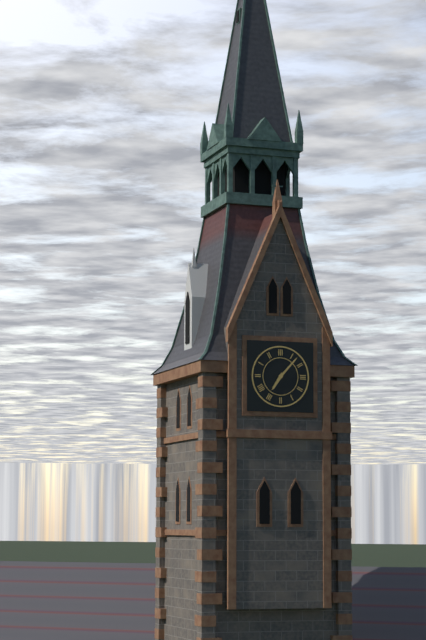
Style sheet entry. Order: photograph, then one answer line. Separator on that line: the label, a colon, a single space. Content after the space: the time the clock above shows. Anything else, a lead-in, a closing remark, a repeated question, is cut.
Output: 7:07
